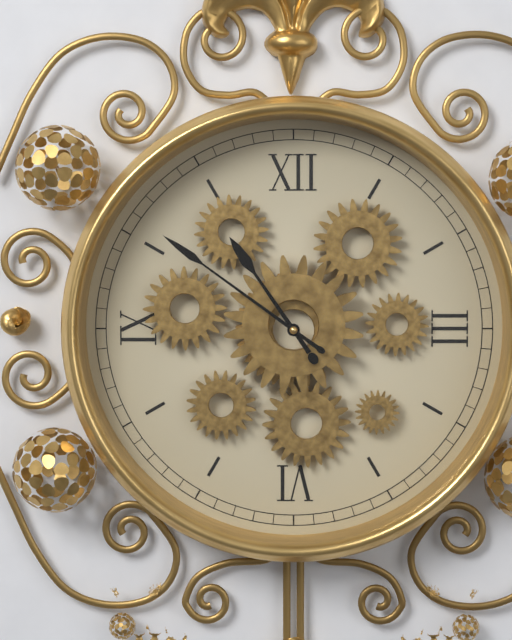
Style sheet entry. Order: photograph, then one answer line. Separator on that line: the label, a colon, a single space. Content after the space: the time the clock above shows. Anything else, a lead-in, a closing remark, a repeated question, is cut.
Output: 10:51
